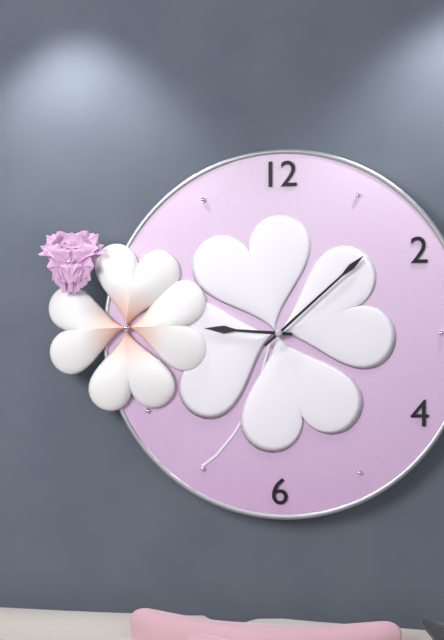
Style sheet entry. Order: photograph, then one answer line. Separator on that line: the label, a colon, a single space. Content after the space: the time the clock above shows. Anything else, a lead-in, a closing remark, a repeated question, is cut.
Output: 9:08
